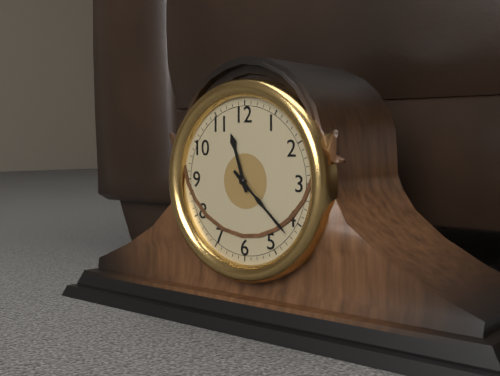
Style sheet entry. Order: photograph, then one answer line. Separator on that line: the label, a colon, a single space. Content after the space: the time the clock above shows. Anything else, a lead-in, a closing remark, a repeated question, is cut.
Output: 11:22
